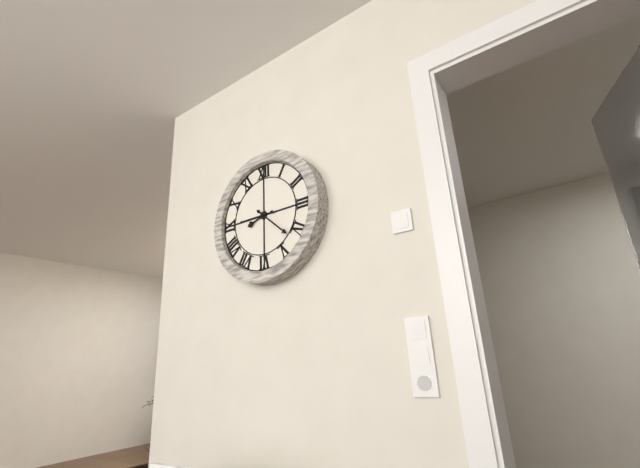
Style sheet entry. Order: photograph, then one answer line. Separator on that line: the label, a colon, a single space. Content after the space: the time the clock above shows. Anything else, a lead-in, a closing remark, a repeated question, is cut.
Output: 8:22
